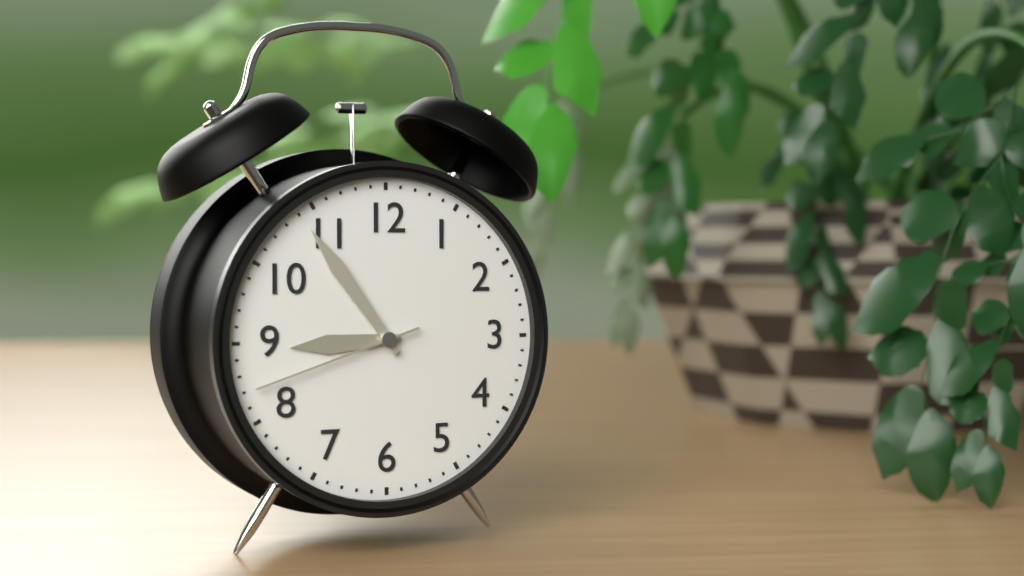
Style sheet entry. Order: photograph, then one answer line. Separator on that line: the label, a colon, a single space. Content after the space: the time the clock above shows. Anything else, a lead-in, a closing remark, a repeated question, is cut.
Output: 8:54:42
